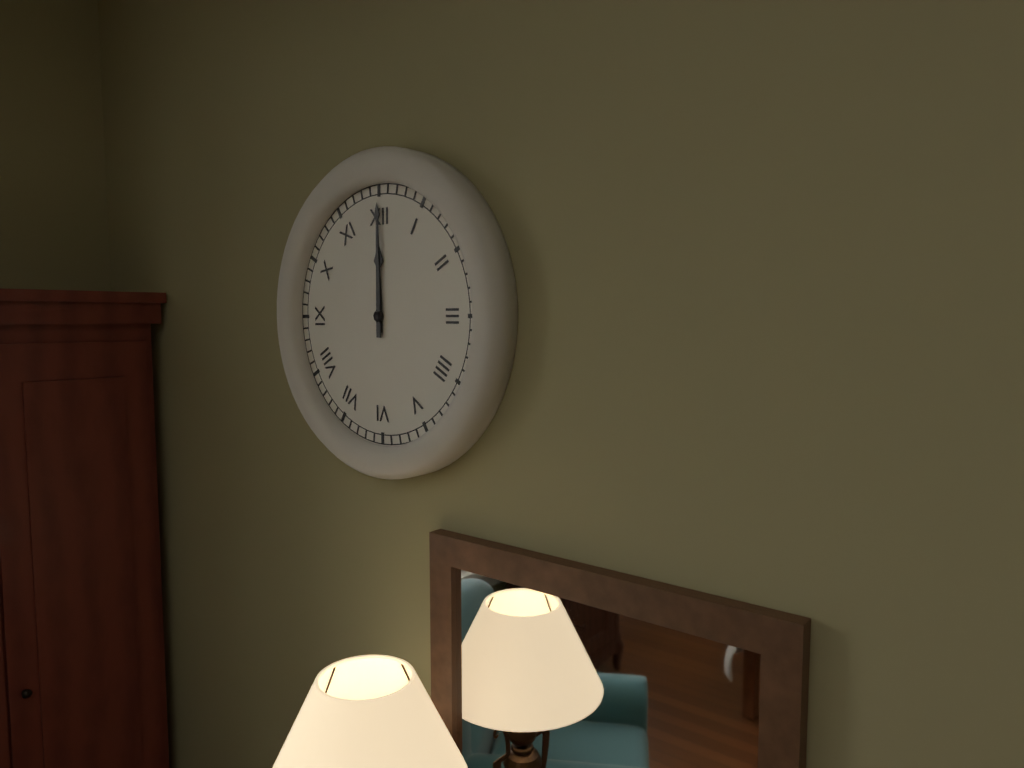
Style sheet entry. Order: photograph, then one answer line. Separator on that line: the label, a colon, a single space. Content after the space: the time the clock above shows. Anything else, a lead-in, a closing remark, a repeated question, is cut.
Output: 12:00
